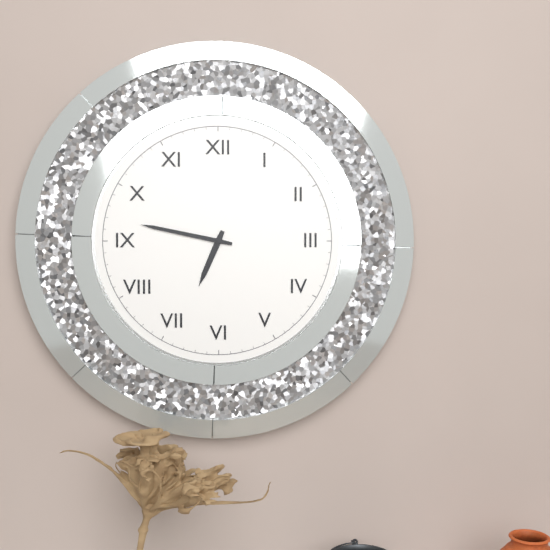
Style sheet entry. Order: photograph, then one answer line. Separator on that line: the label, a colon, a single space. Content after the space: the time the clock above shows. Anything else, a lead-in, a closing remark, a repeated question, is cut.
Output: 6:47
